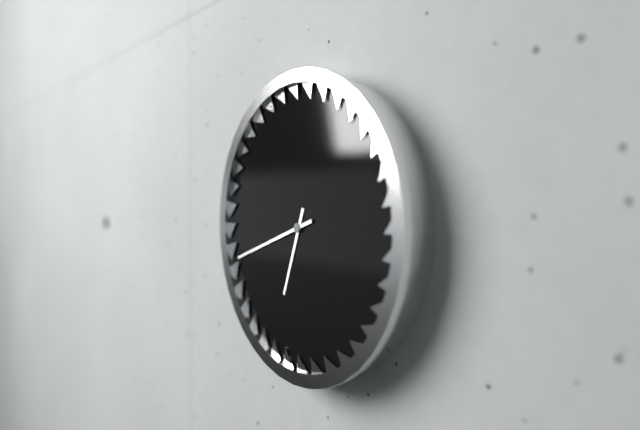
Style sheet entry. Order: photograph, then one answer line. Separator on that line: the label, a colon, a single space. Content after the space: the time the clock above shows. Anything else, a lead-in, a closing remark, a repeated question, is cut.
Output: 6:42
